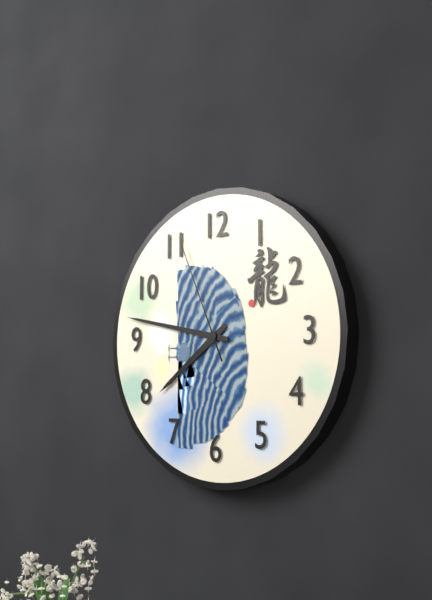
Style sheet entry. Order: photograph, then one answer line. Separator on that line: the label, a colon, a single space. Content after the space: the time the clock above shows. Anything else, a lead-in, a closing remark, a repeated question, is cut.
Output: 7:47:56
